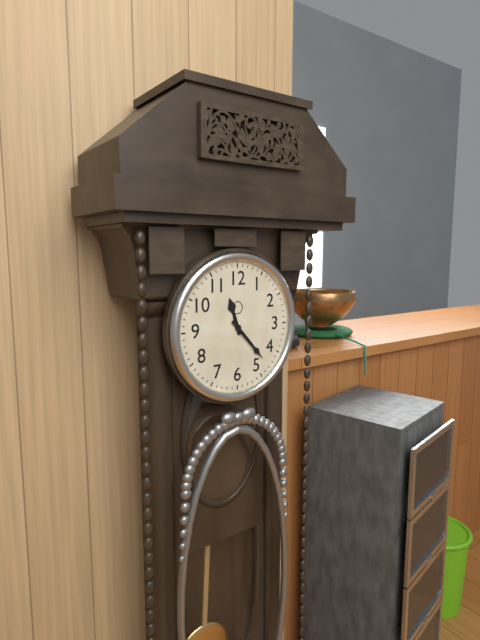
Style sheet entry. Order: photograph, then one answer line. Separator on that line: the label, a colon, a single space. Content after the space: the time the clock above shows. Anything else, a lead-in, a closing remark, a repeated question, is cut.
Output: 11:23
